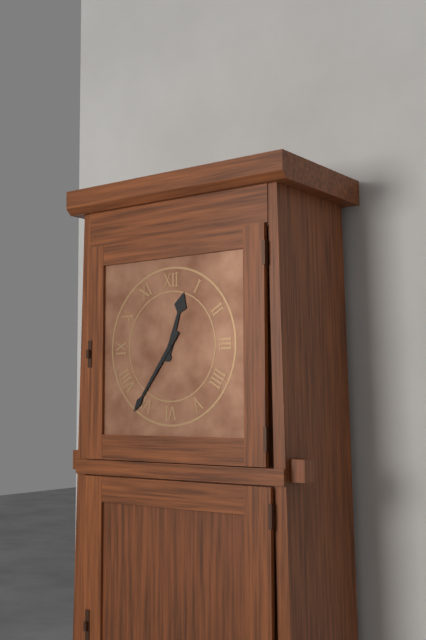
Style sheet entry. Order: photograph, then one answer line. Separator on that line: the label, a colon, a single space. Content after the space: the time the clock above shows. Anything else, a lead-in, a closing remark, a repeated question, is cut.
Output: 12:36
